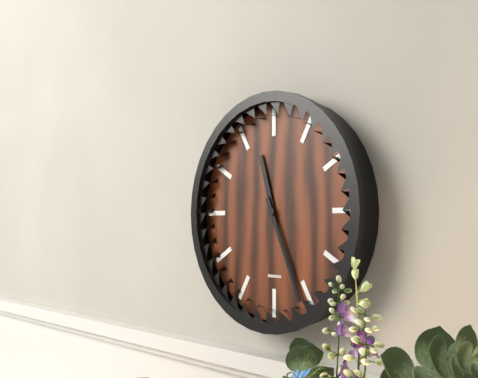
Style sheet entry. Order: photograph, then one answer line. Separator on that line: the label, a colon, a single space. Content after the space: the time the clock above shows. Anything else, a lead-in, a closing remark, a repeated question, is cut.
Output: 11:26
